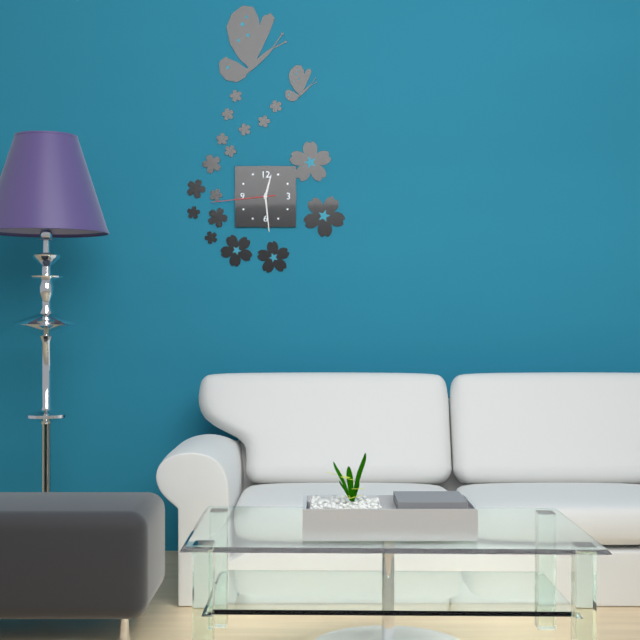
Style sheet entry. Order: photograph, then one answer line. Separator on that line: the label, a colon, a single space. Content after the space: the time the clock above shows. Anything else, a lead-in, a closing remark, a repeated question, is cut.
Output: 12:29:44
